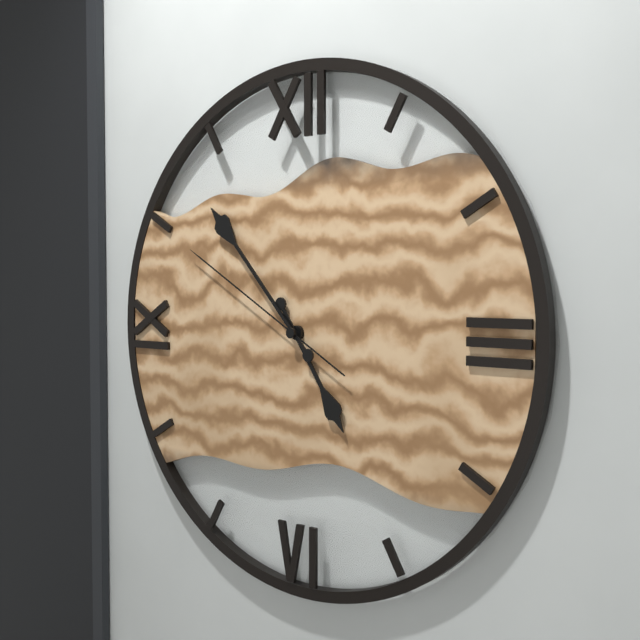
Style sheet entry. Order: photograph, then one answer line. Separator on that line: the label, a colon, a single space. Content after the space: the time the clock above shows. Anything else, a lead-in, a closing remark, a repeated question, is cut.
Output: 4:53:50
